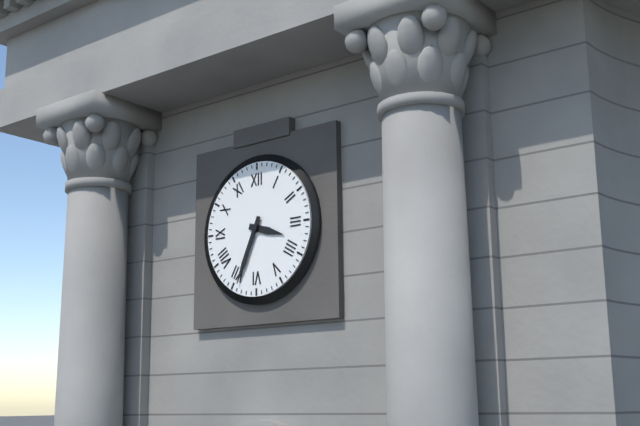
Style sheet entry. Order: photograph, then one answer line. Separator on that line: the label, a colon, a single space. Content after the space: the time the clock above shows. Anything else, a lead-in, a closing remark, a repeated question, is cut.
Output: 3:34
